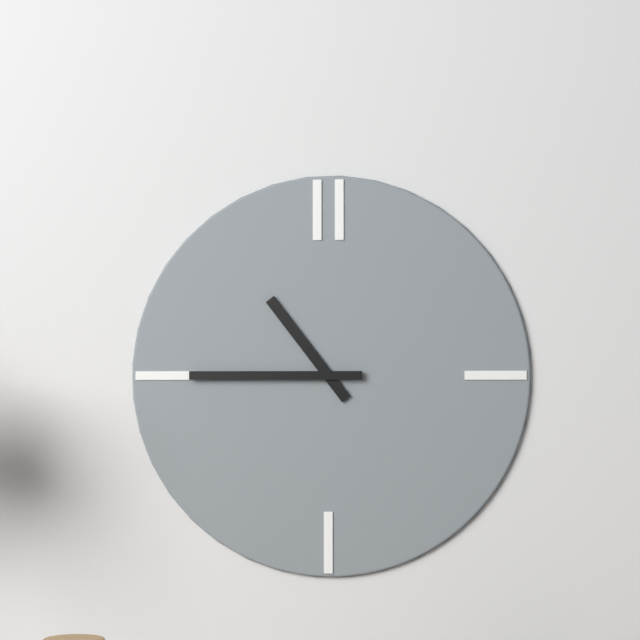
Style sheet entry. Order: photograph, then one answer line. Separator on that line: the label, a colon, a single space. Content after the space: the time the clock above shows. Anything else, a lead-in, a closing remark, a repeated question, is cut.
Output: 10:45
